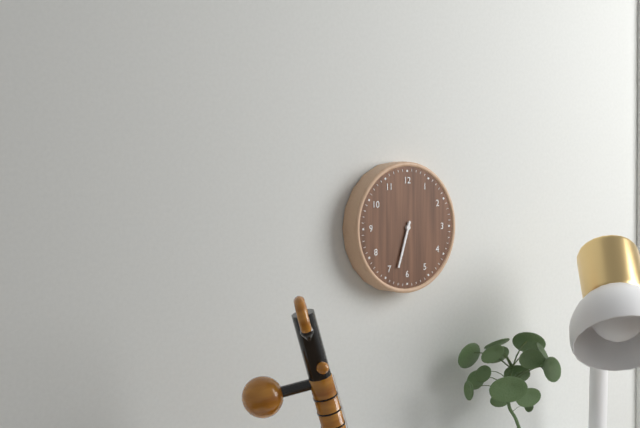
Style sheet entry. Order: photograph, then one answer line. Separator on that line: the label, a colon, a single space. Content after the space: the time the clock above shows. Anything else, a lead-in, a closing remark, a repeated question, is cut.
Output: 6:33
